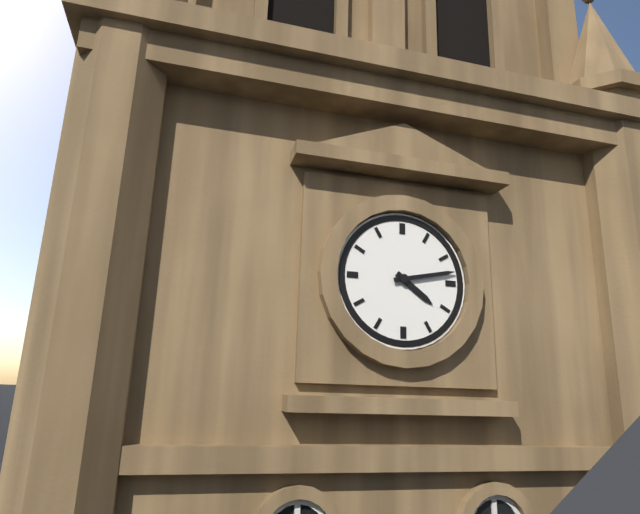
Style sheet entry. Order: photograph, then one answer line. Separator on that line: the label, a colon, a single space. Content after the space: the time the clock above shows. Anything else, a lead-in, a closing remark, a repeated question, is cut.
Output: 4:13
